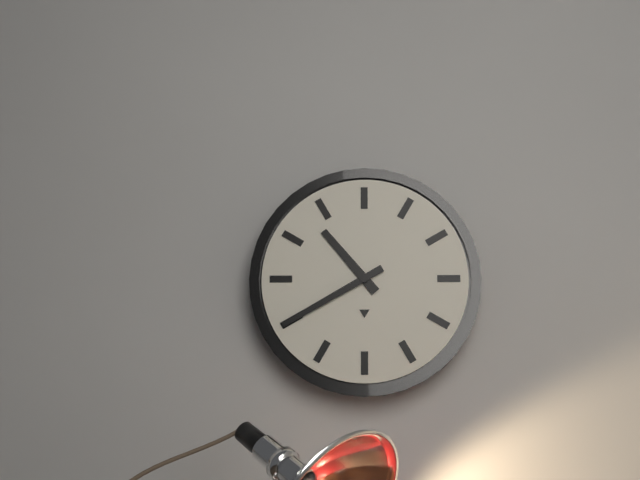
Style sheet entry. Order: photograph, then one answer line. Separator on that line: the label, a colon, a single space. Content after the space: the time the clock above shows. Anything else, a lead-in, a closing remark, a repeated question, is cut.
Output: 10:40
